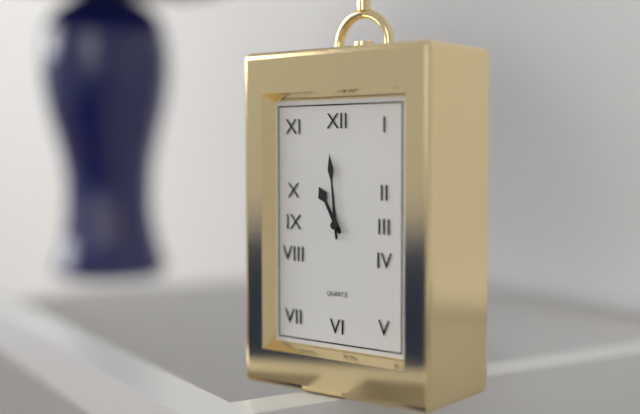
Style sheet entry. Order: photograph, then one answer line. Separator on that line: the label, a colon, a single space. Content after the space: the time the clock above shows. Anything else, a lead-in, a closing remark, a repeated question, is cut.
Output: 10:59
